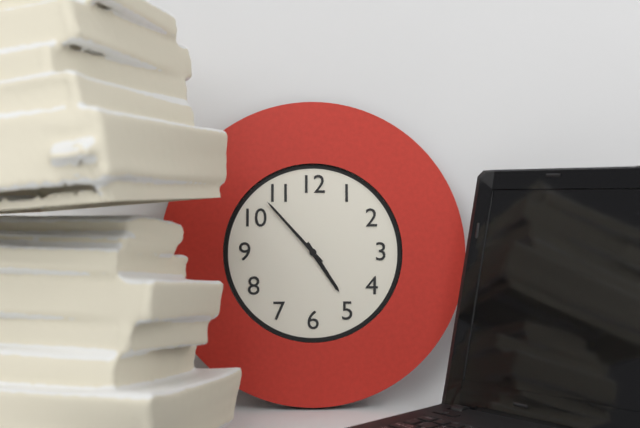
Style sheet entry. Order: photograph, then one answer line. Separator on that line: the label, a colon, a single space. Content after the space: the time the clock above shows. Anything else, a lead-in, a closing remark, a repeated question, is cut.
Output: 4:53
